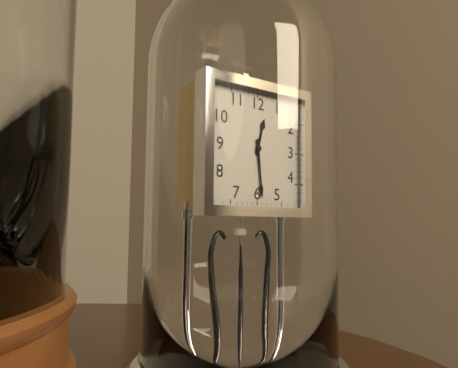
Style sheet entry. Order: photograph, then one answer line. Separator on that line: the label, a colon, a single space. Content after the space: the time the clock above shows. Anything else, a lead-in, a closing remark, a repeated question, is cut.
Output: 12:29
